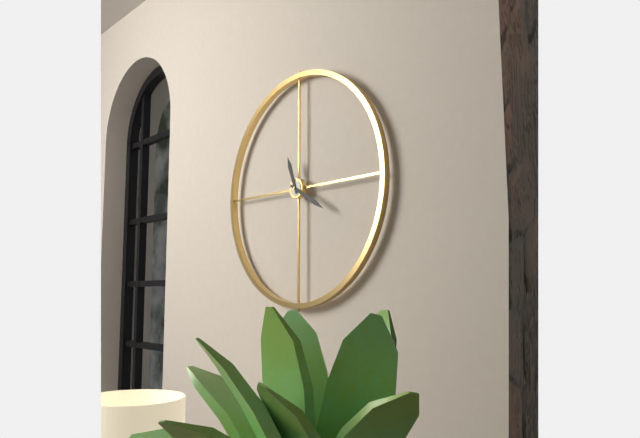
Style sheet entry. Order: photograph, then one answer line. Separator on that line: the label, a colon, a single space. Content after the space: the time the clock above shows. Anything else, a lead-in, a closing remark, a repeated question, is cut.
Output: 11:20
